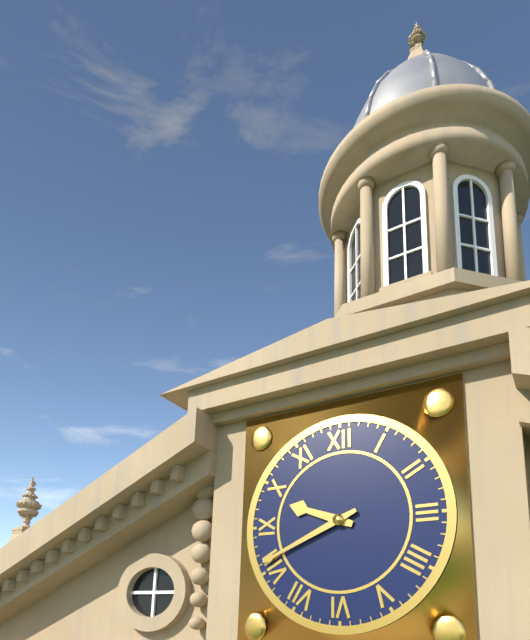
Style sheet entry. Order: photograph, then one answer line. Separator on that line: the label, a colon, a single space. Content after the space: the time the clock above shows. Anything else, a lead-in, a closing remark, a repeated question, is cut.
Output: 9:41
